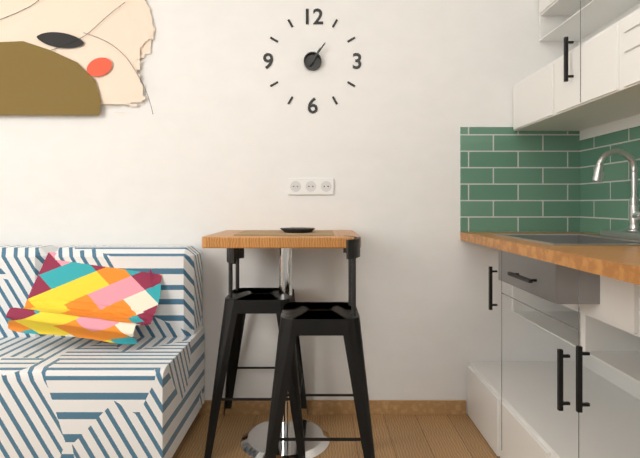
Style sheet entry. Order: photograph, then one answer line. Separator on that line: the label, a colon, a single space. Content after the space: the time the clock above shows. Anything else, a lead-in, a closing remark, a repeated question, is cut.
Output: 1:06
